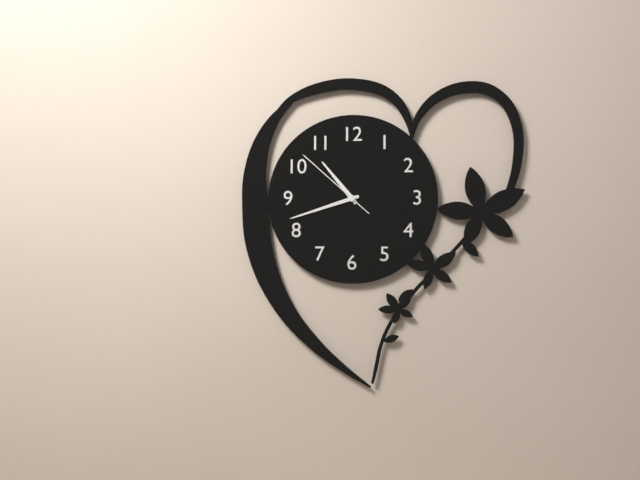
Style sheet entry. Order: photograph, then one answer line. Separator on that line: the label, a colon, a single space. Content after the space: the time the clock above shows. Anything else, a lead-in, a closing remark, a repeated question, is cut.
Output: 10:42:52
